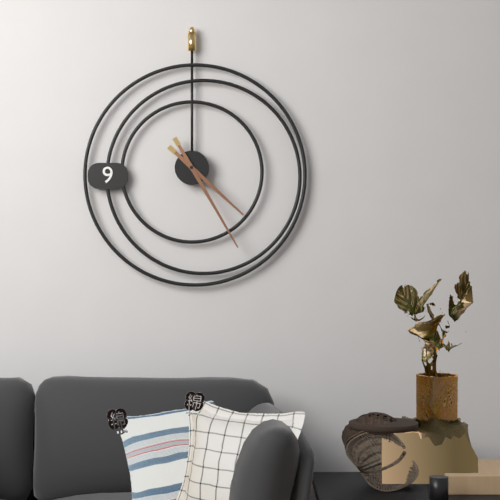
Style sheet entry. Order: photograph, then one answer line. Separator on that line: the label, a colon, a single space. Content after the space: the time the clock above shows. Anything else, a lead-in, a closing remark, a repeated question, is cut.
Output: 4:25
